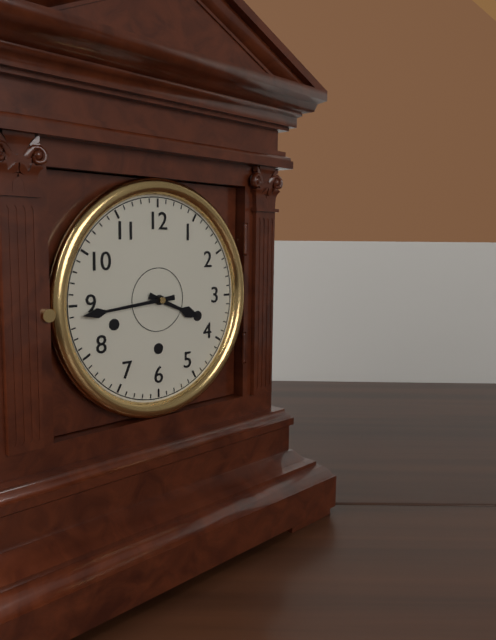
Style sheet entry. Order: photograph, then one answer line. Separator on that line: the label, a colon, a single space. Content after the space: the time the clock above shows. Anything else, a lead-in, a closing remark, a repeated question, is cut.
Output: 3:44
